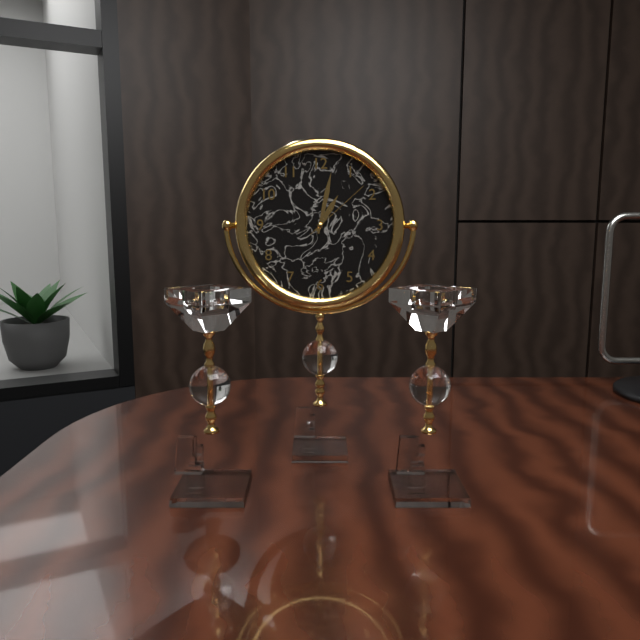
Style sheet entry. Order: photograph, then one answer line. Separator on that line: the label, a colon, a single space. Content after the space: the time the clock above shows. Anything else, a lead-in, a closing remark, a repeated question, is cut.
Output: 1:02:08
